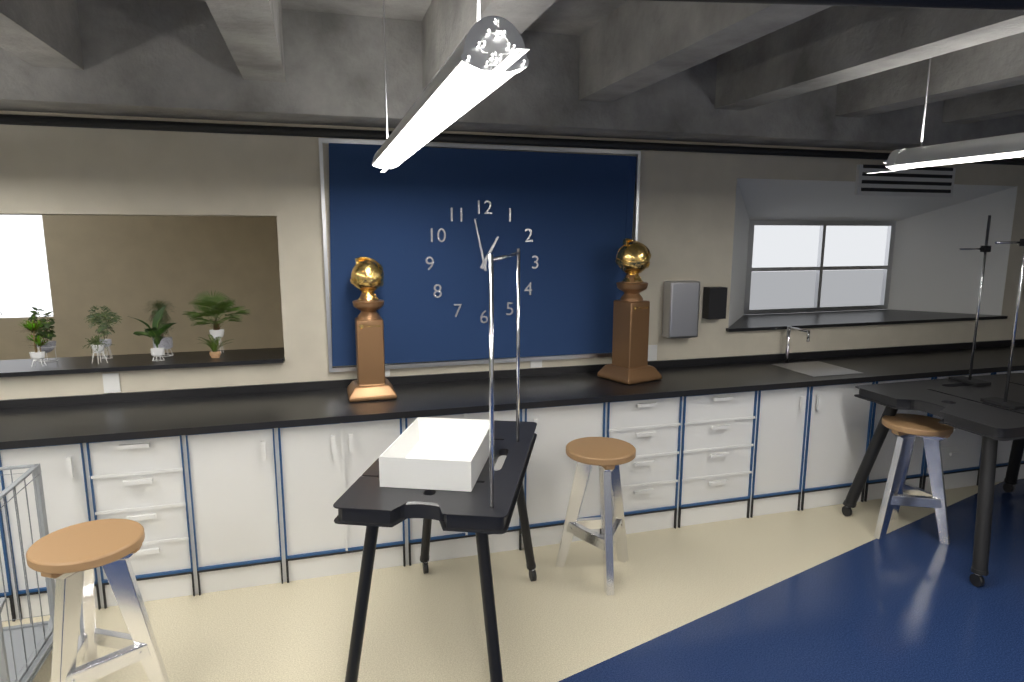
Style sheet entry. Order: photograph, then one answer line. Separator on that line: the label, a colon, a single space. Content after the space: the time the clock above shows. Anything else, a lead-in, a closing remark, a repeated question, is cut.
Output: 12:58
